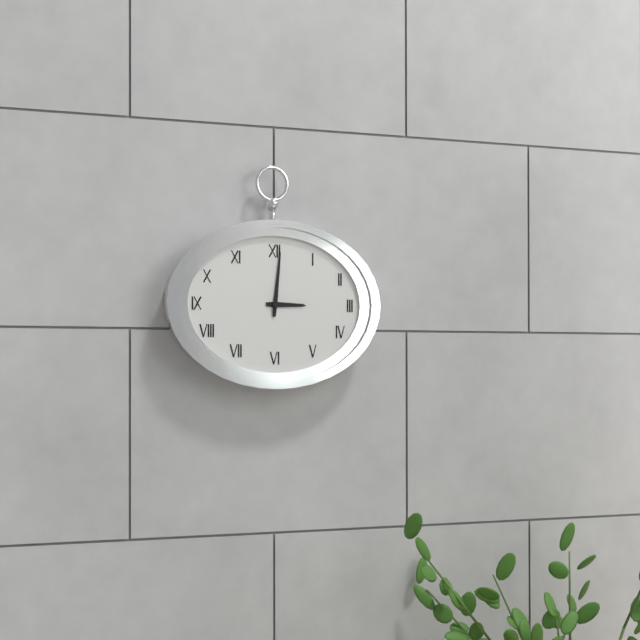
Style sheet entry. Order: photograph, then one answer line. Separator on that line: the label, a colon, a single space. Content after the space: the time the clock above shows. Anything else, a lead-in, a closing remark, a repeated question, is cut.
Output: 3:01
